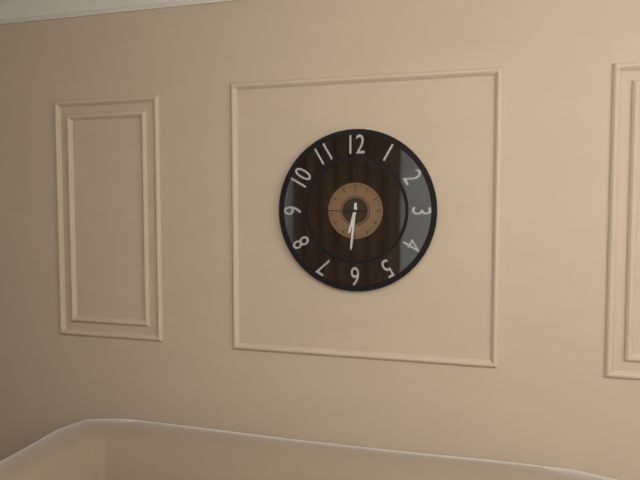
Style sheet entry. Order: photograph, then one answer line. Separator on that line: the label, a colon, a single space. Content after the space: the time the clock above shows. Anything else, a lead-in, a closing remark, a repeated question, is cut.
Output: 6:31
